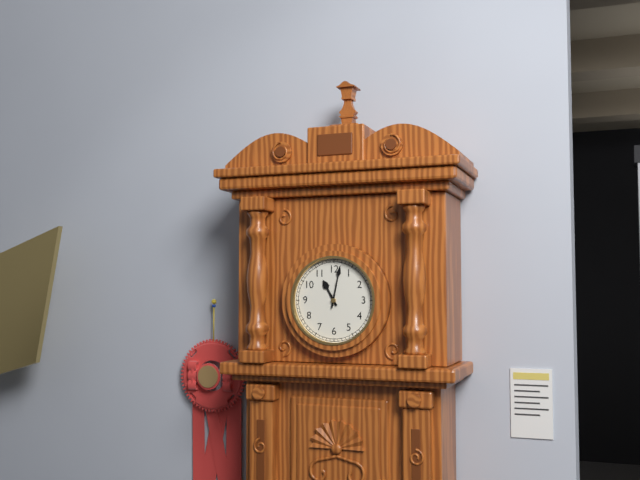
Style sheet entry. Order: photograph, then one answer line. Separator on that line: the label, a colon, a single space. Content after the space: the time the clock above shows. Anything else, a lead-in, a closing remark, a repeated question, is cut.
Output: 11:02
